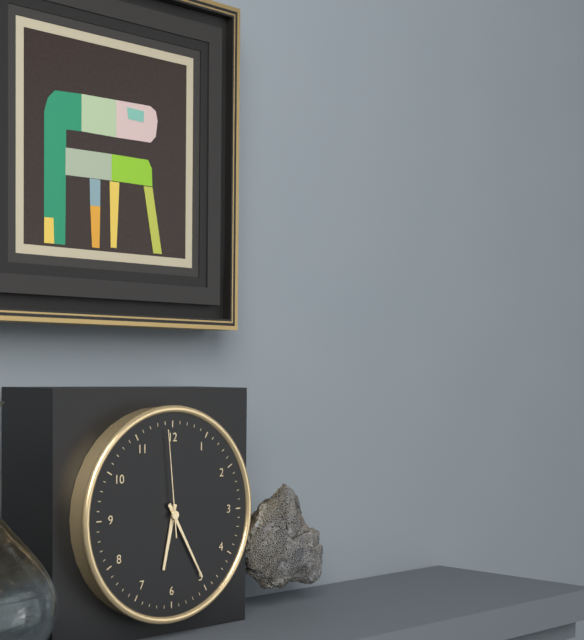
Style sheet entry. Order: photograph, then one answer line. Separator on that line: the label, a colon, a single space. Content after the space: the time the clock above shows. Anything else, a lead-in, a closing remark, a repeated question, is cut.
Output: 6:25:59
